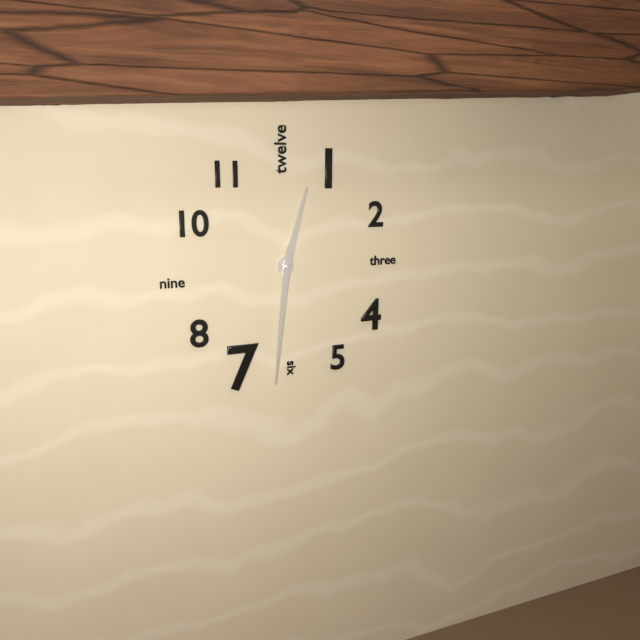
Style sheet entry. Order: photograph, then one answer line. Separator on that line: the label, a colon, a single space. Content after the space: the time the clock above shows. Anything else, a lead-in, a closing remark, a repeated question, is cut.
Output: 12:31
